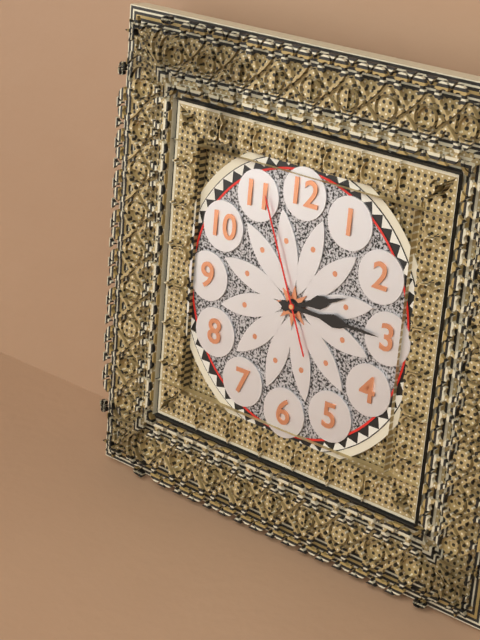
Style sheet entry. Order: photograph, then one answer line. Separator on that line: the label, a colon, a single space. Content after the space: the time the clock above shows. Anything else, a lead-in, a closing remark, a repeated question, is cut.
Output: 2:15:56
